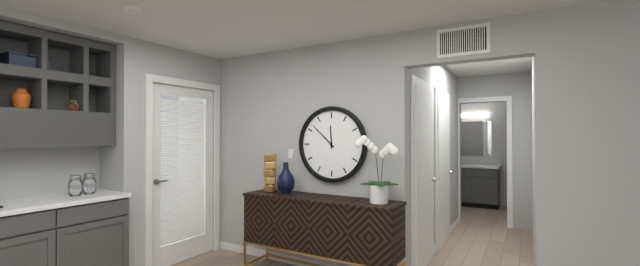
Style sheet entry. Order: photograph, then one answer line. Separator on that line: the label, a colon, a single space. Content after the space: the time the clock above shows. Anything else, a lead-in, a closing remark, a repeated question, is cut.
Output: 11:52
